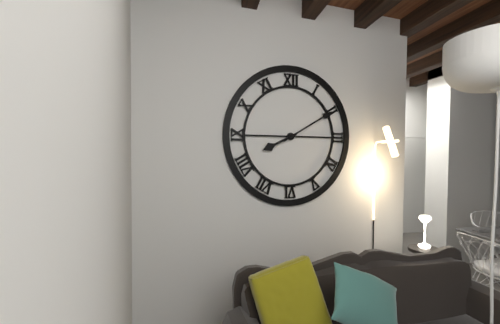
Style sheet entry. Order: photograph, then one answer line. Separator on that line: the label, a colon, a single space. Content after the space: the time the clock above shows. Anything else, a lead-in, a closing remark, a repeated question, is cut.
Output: 8:10
